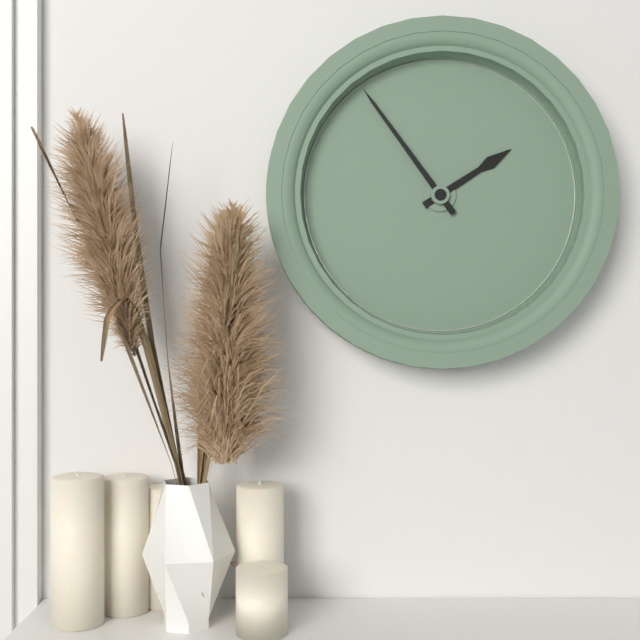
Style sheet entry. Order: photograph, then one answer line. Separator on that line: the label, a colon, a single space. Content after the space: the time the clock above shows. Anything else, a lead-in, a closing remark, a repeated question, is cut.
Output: 1:54
